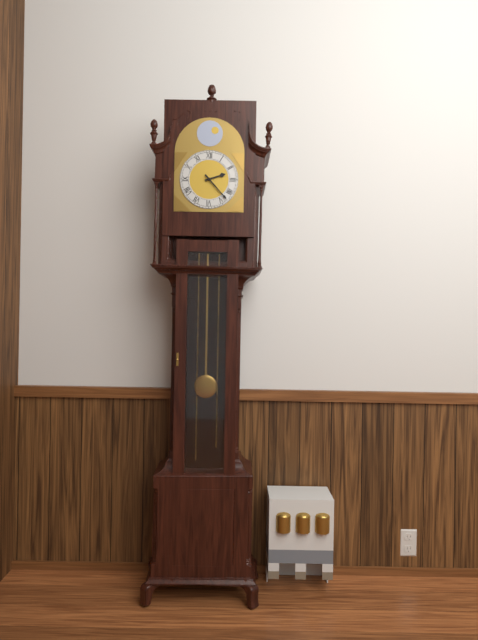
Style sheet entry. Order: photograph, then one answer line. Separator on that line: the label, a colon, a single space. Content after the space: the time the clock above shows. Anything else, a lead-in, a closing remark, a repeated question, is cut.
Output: 2:23
